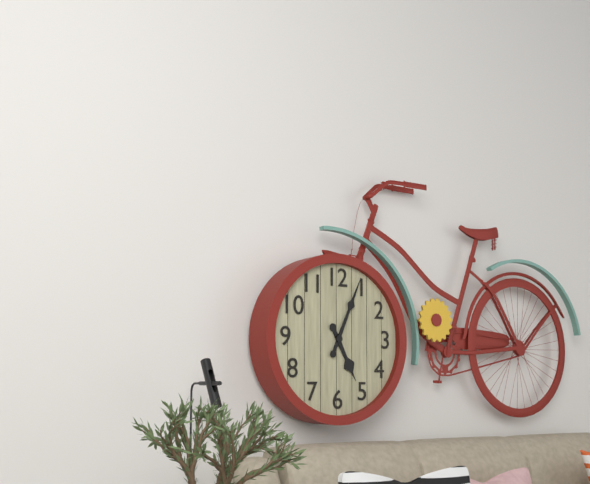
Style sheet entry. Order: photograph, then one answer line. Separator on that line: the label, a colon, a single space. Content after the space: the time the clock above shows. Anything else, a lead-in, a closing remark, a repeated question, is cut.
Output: 5:04
